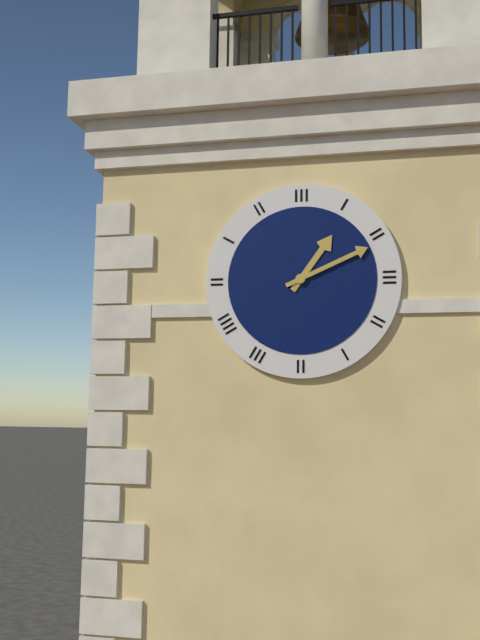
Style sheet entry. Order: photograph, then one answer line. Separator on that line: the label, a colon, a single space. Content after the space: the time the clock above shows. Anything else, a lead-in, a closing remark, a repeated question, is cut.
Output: 1:11
